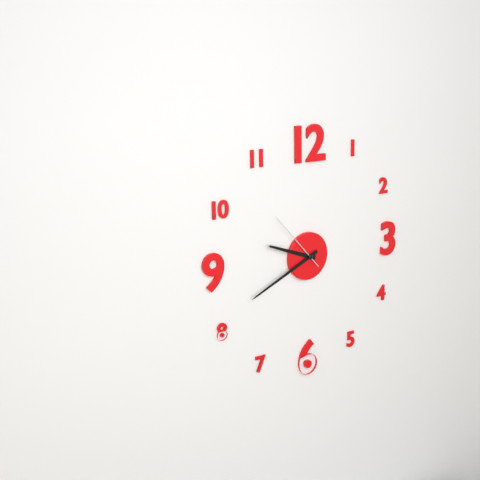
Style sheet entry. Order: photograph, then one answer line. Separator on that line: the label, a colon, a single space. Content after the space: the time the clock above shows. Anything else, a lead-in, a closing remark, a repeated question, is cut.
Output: 9:41:53
